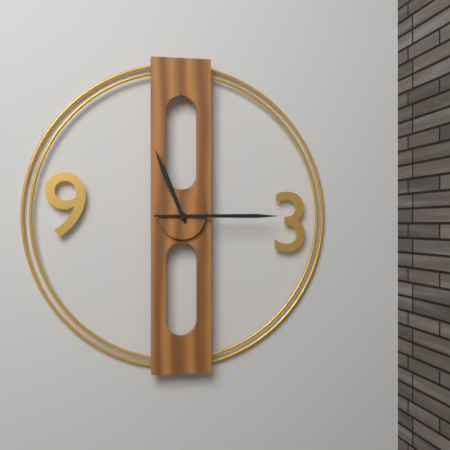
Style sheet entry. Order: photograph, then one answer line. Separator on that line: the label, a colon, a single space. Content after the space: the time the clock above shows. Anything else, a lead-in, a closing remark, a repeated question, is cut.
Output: 11:15
